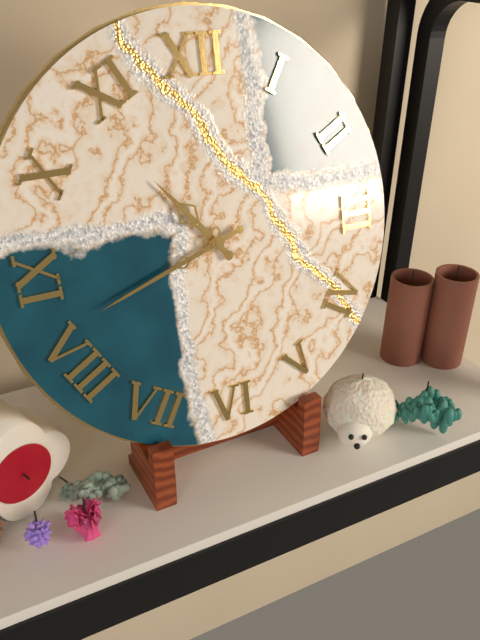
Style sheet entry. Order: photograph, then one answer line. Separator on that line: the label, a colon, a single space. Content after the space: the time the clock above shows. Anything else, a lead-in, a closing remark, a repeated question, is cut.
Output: 10:42
